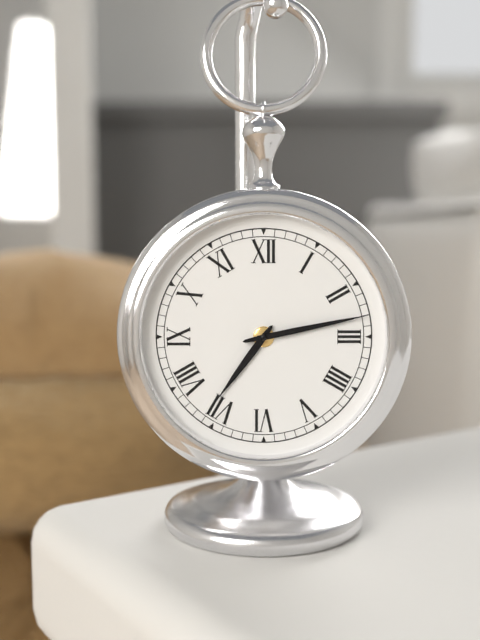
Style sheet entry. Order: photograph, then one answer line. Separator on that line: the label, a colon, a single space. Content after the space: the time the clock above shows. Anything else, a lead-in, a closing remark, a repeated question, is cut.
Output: 7:13
